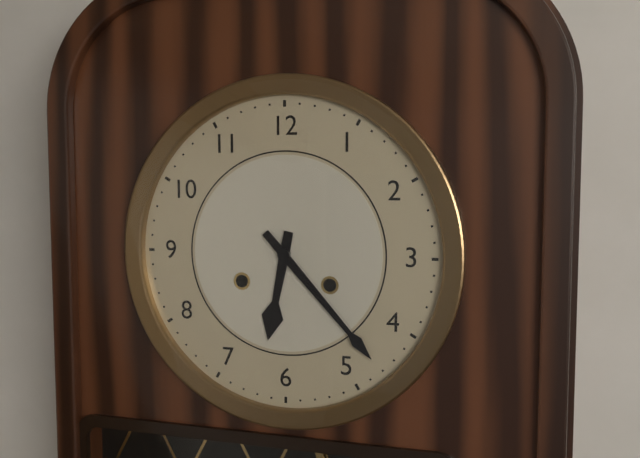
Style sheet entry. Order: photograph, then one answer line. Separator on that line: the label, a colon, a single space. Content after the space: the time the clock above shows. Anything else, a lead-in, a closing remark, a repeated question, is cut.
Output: 6:23
